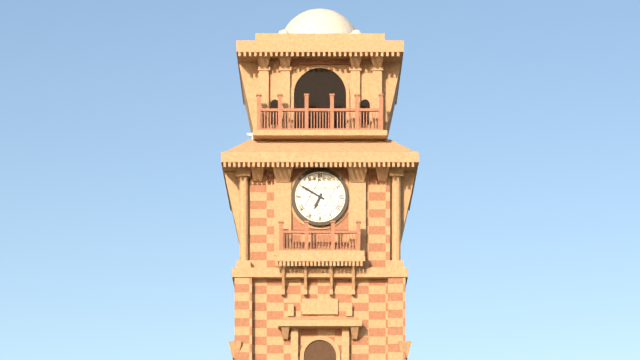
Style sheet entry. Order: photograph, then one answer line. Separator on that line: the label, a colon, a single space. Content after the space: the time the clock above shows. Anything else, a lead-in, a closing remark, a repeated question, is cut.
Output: 6:50
